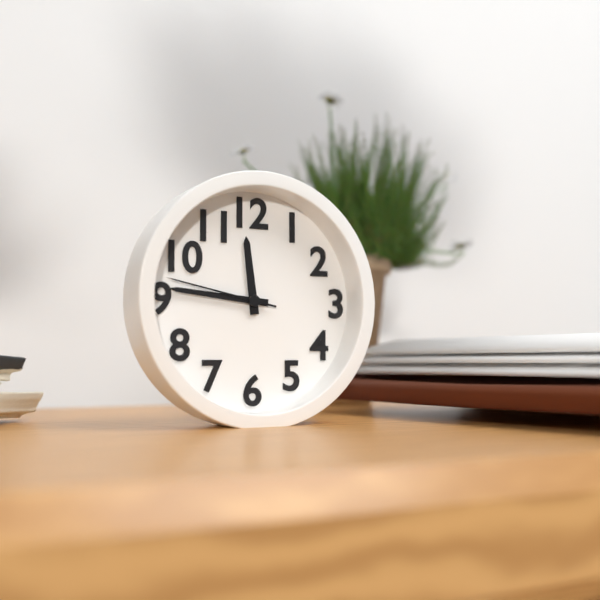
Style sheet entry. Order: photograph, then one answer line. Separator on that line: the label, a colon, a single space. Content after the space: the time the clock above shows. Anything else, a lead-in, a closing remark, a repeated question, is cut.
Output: 11:46:47
